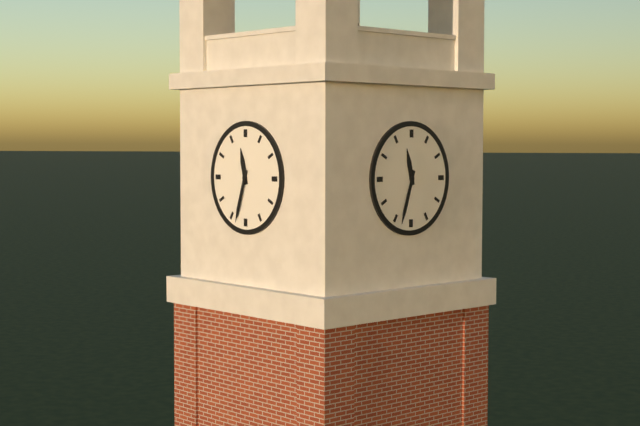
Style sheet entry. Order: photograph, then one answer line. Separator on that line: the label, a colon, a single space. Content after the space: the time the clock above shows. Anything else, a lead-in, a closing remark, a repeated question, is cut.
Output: 11:33
